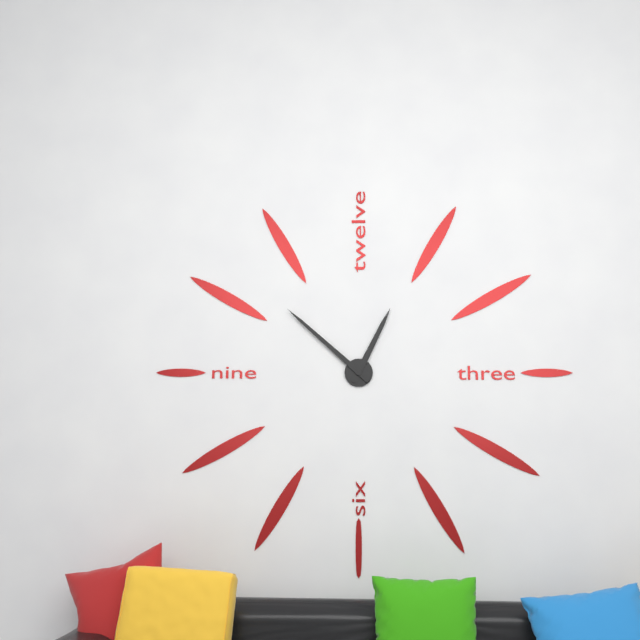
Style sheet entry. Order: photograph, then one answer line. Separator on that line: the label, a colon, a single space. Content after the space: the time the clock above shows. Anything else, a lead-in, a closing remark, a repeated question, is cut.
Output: 12:52
